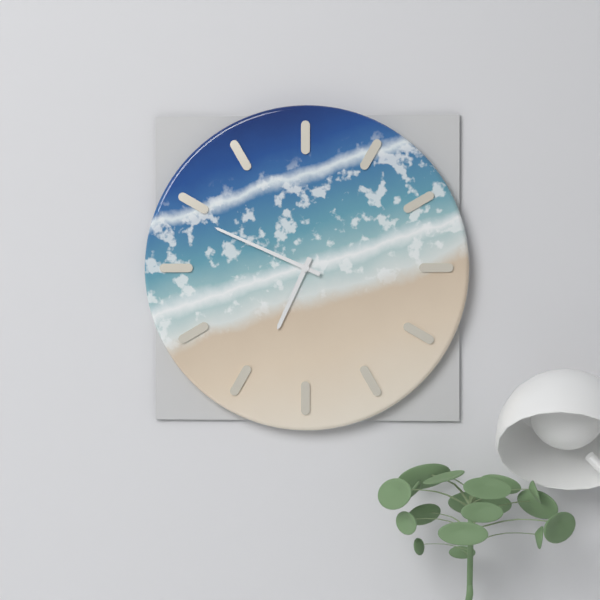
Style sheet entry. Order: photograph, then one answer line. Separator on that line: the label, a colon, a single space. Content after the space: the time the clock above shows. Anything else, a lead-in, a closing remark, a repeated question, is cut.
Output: 6:49
